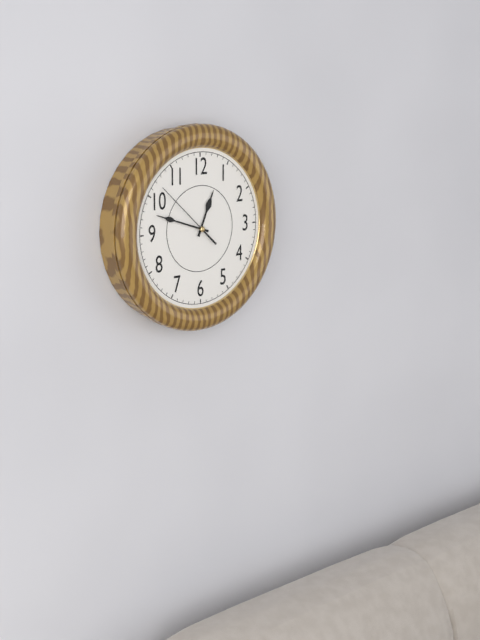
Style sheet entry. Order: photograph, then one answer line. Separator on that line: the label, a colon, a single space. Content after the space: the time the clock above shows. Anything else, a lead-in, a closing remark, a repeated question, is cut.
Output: 12:48:52
